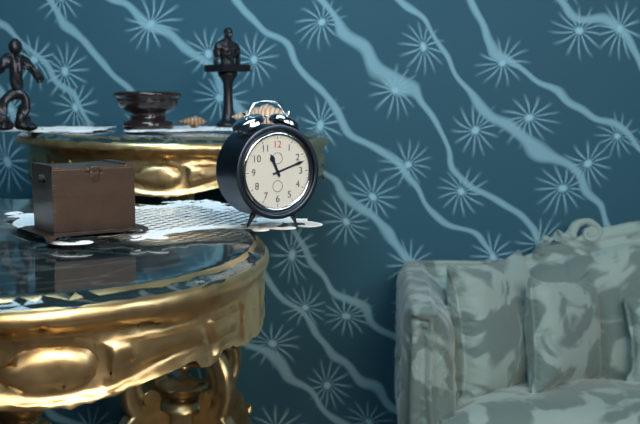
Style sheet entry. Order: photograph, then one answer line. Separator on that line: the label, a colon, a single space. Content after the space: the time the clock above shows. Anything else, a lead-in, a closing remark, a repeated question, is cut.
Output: 11:12
